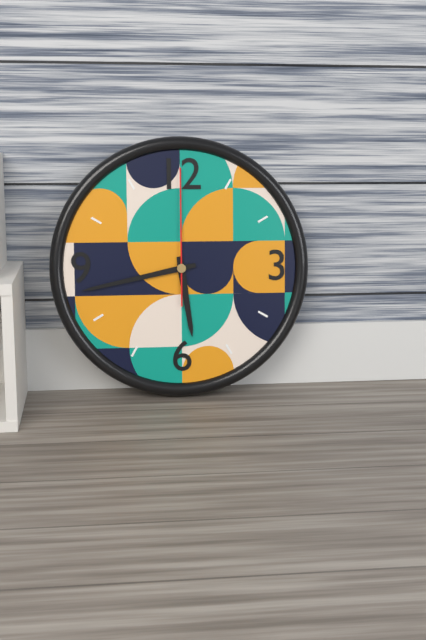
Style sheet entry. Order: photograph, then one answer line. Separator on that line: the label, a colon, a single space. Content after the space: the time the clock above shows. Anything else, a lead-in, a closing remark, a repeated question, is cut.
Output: 5:43:00
